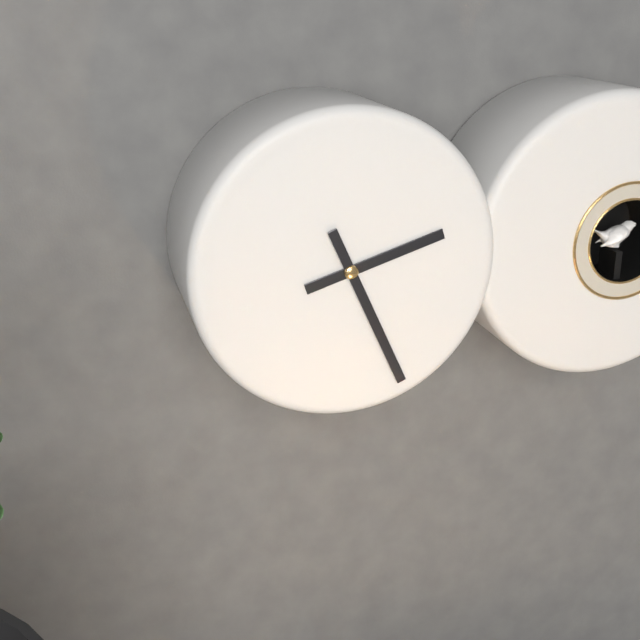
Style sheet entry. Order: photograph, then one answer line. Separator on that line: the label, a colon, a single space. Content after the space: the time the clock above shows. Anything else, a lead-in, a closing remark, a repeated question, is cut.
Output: 2:26
